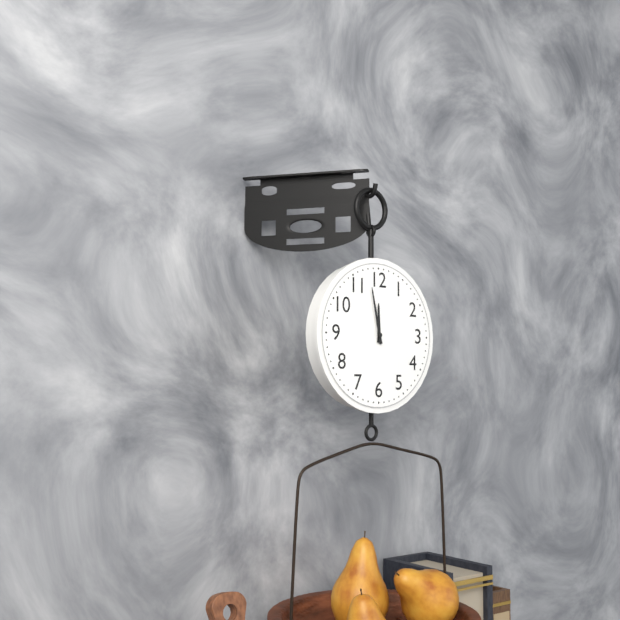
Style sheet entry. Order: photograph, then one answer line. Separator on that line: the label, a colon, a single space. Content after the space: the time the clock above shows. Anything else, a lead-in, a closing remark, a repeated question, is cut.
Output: 11:58
